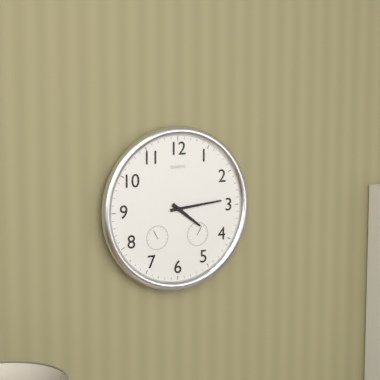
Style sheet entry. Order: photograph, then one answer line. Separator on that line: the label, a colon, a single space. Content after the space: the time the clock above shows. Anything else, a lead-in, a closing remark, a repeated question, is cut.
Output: 4:14
